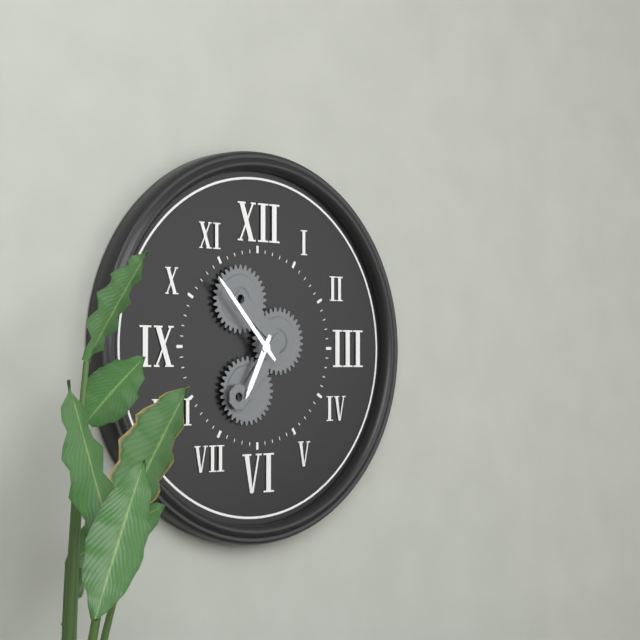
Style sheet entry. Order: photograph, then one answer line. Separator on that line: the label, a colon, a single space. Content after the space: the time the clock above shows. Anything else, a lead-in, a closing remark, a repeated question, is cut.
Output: 6:53
